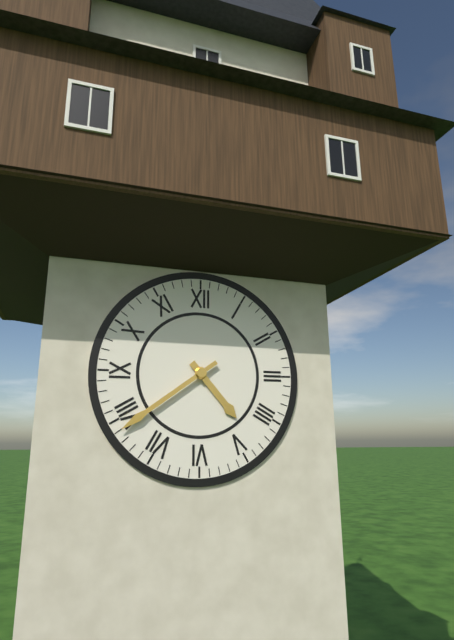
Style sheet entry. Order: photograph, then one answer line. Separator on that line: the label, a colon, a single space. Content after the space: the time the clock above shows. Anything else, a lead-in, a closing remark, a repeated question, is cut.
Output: 4:39
